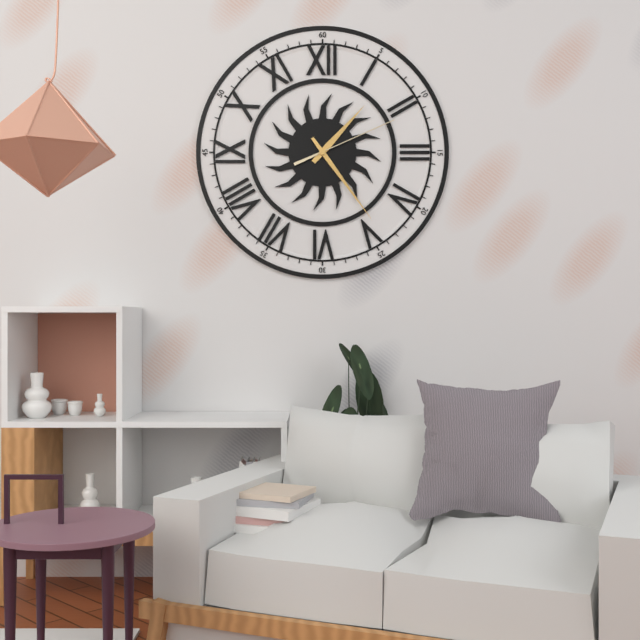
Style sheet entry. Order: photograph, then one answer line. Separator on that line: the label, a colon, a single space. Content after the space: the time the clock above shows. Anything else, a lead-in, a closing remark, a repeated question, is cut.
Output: 1:24:11
